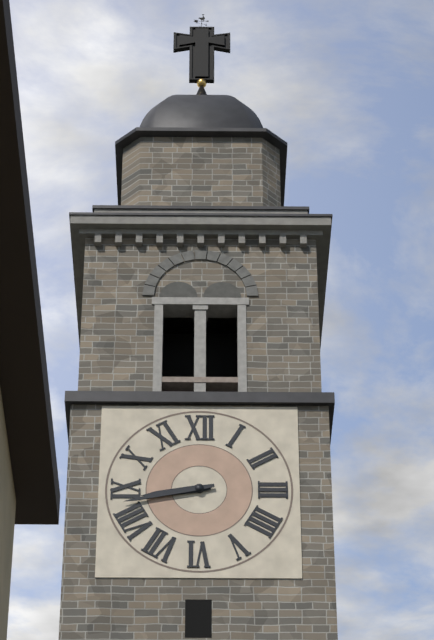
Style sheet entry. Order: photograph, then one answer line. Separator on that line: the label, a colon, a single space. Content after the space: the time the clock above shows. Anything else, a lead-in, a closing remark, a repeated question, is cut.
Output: 8:43
